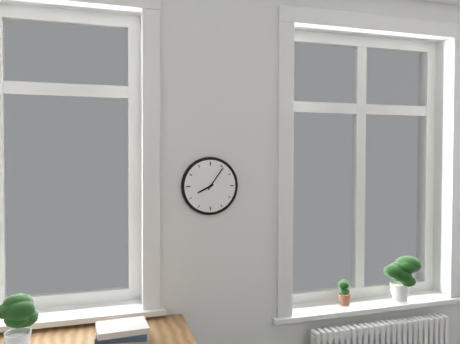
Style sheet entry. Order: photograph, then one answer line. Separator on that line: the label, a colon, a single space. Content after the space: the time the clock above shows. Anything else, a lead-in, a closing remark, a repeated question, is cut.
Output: 8:06
